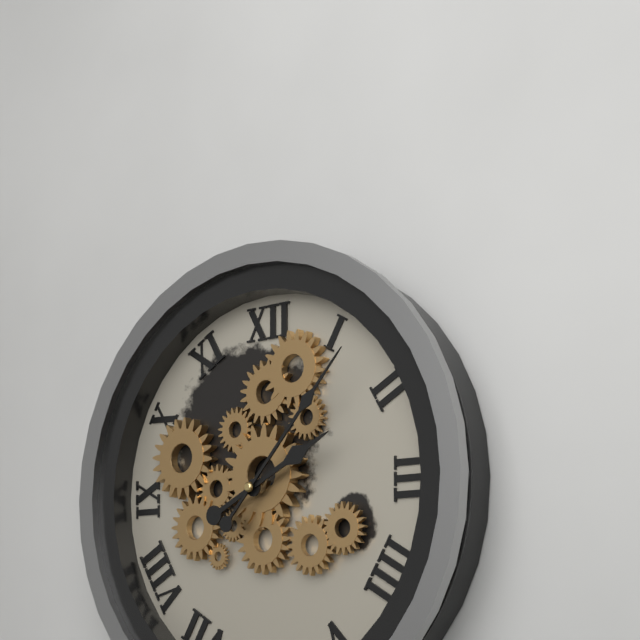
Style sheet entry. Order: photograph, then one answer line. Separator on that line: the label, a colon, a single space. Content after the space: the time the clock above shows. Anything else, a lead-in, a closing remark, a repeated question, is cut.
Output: 2:07
